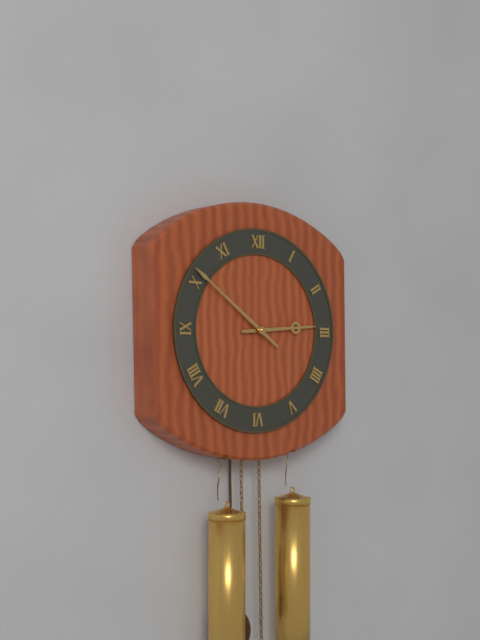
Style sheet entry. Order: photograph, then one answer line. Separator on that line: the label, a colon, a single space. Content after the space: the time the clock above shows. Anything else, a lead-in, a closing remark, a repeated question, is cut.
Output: 2:51
